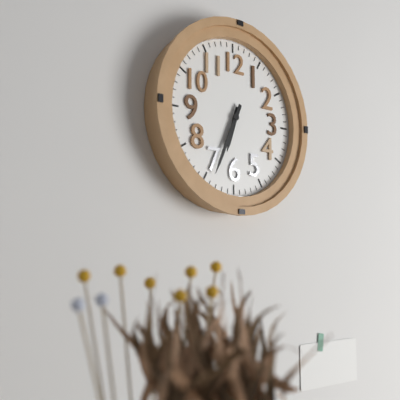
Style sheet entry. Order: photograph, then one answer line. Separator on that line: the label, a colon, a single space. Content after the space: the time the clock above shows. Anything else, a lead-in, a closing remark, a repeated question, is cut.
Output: 6:34
